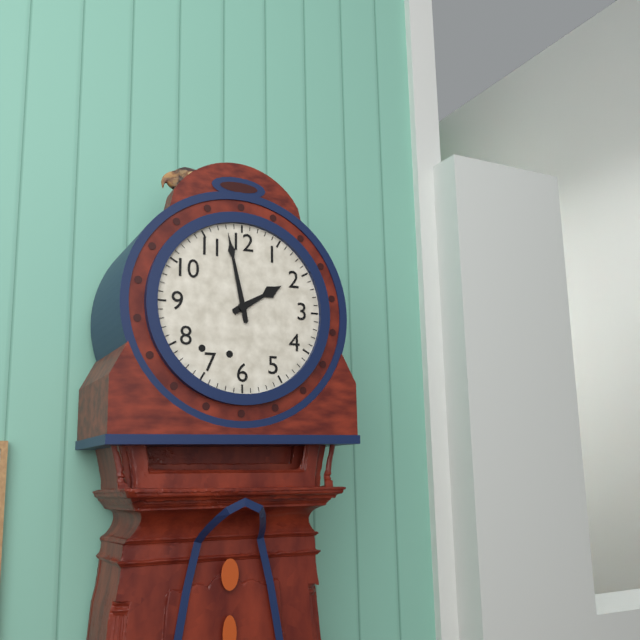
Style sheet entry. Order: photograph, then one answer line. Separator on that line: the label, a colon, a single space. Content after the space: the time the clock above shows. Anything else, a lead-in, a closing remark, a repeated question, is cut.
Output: 1:58
